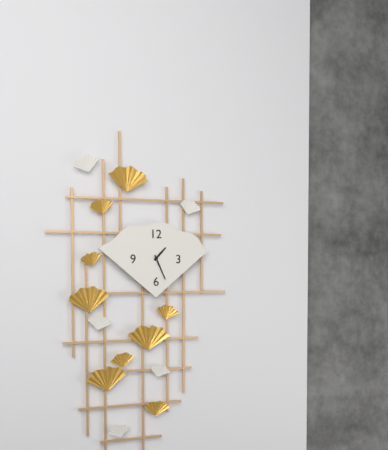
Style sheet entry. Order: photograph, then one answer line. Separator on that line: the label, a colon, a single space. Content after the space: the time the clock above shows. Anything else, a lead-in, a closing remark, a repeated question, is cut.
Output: 1:26
